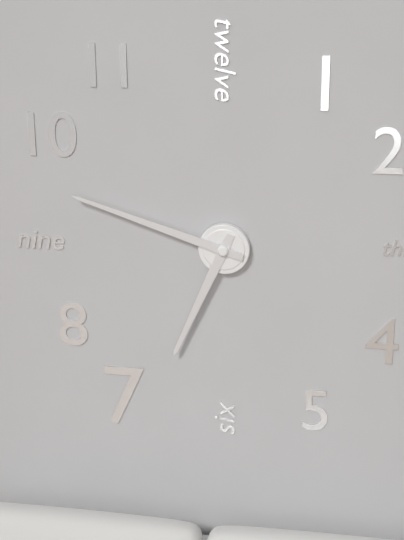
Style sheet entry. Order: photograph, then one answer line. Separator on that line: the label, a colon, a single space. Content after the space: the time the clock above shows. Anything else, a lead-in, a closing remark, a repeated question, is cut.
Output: 6:48
